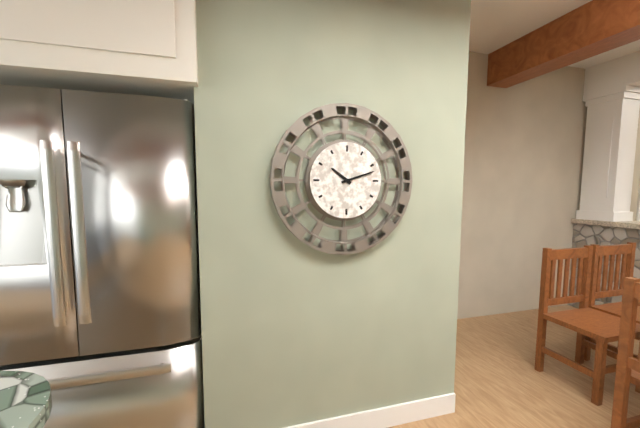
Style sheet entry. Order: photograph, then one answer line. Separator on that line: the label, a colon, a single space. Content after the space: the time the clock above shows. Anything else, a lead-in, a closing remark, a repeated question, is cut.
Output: 10:12
